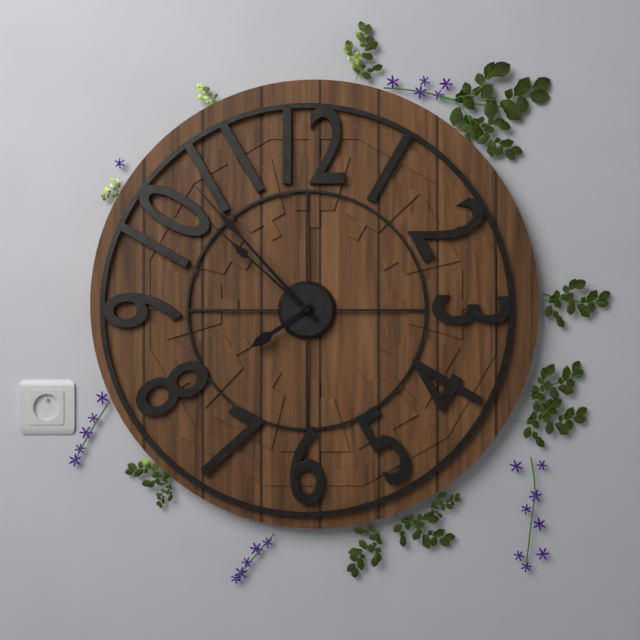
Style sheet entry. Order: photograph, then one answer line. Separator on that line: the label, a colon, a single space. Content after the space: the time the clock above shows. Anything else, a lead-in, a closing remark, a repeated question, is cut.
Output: 7:53:52
